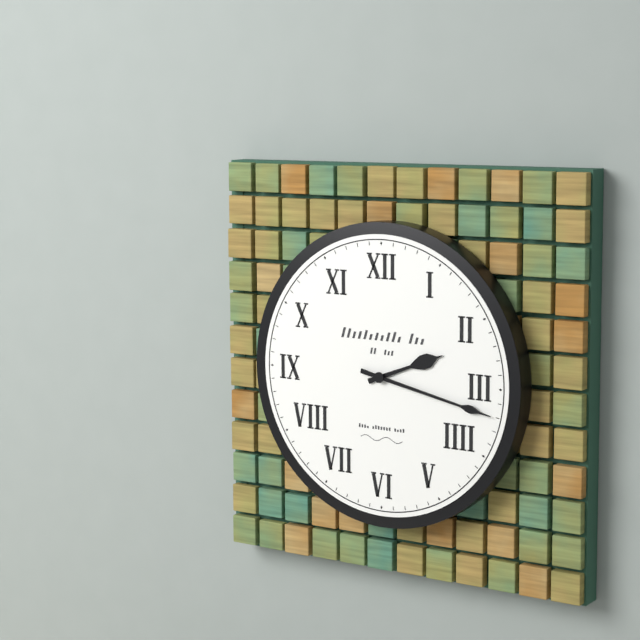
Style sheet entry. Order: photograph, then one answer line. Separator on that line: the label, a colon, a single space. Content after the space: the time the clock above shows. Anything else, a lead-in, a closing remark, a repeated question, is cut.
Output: 2:17
